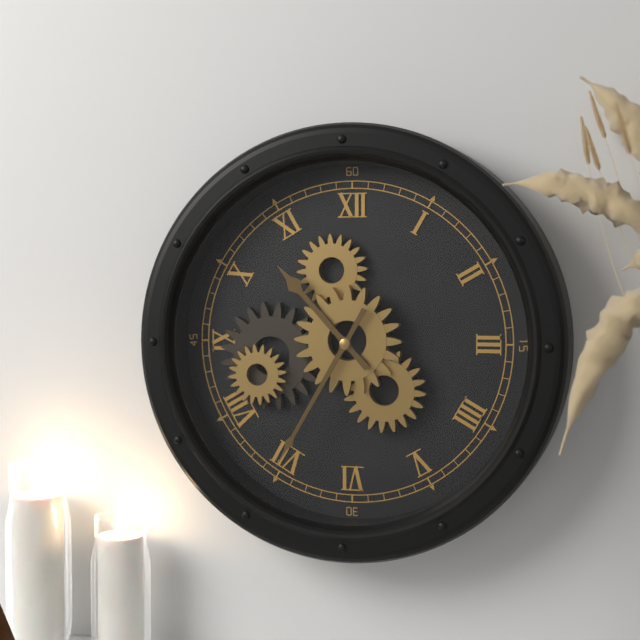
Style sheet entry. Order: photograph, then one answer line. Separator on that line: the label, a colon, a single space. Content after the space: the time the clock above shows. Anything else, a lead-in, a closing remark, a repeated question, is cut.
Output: 10:35
